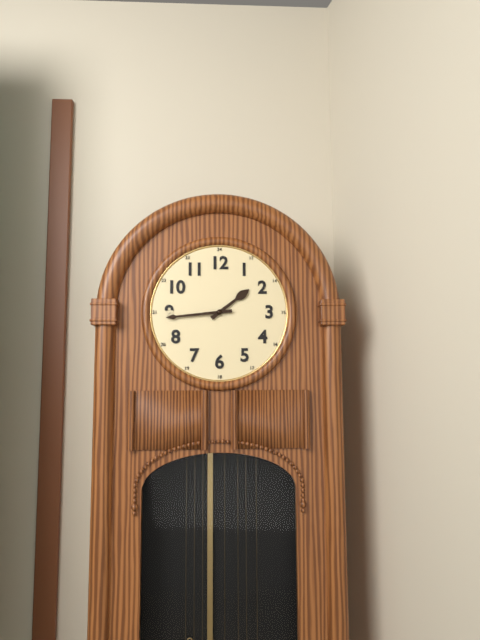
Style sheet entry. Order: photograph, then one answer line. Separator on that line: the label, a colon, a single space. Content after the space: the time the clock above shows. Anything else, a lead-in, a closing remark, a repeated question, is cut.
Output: 1:44
